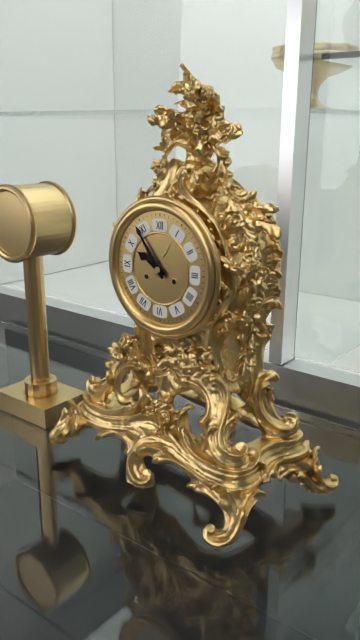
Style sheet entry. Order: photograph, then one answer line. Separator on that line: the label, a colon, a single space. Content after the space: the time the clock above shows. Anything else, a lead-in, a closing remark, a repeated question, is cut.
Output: 9:54
